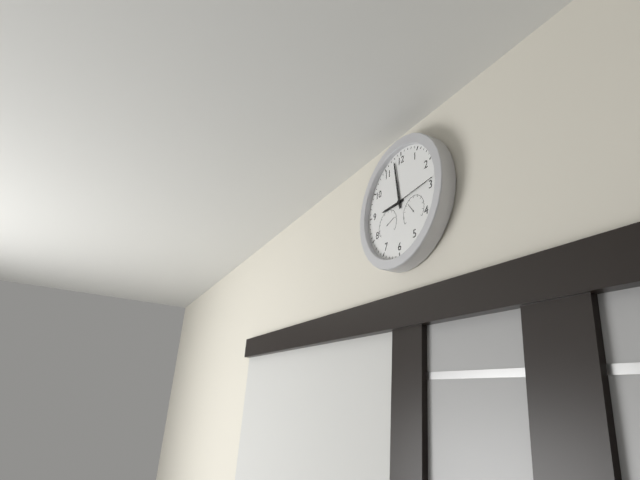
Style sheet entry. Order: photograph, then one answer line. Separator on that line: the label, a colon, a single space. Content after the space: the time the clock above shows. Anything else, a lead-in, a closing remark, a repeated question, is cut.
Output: 8:58:14
